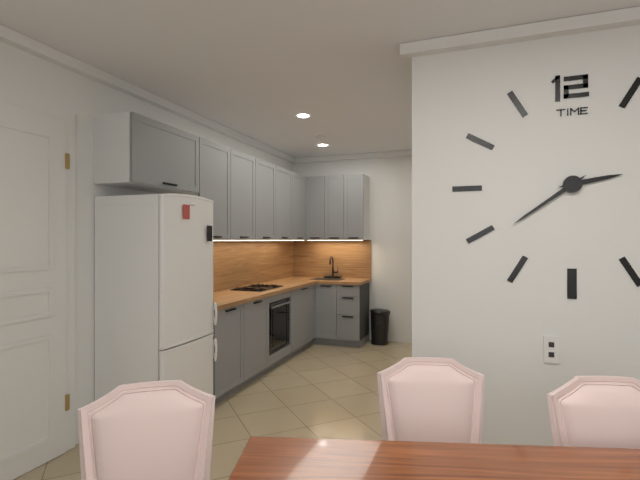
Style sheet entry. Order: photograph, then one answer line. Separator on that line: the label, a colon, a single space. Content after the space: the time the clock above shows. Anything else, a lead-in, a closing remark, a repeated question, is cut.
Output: 2:39
